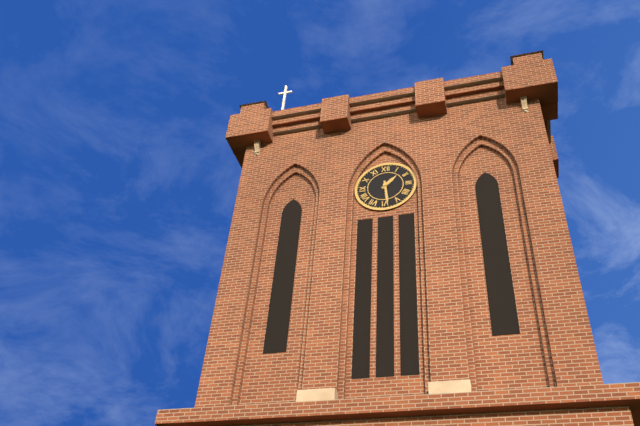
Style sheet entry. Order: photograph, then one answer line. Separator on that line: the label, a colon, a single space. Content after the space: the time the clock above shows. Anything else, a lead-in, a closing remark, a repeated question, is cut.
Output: 1:29
